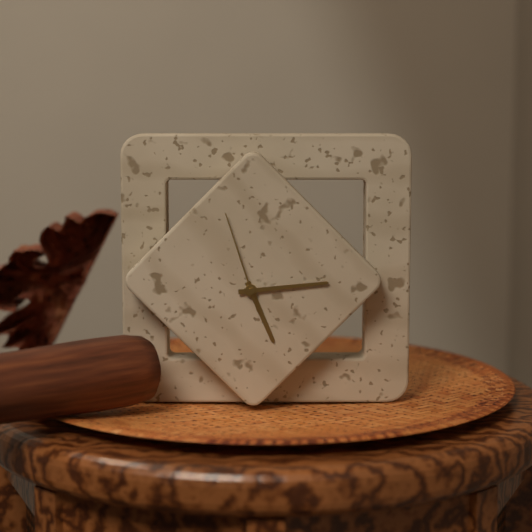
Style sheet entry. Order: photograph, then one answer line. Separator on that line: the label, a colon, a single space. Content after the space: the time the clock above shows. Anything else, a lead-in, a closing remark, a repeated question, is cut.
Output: 5:14:57
